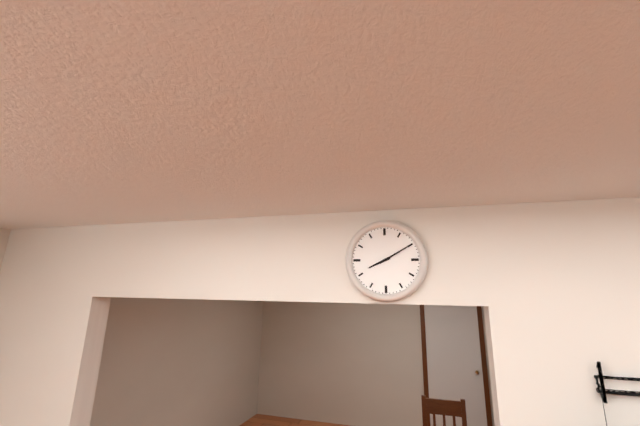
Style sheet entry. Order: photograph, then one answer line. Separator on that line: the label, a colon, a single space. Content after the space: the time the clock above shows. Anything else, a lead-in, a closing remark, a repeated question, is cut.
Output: 8:10
